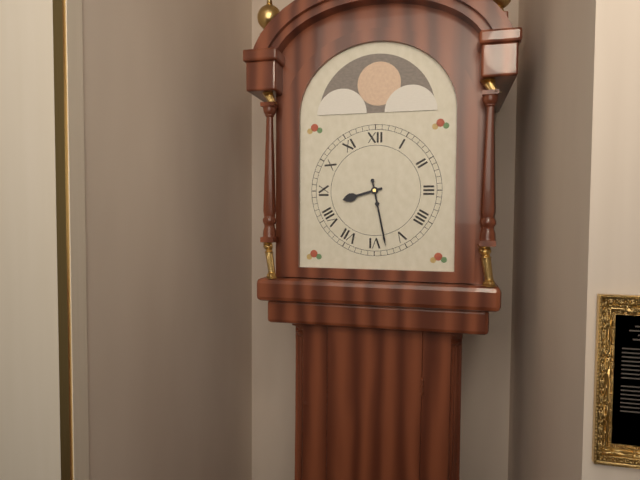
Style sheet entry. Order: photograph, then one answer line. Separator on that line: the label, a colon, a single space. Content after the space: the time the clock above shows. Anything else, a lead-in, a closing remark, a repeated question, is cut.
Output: 8:28
